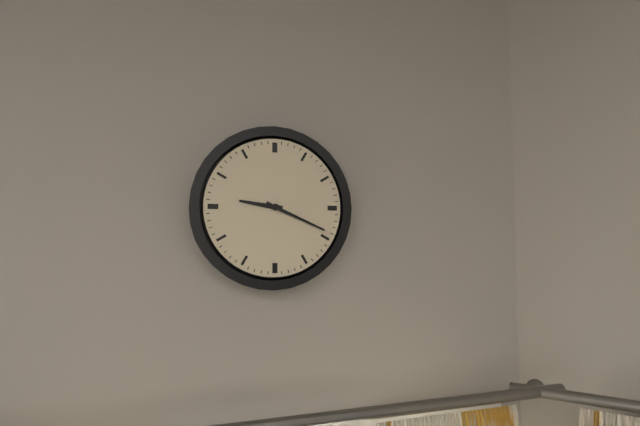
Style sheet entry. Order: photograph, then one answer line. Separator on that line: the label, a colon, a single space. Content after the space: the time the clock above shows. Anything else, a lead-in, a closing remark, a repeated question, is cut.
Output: 9:19
